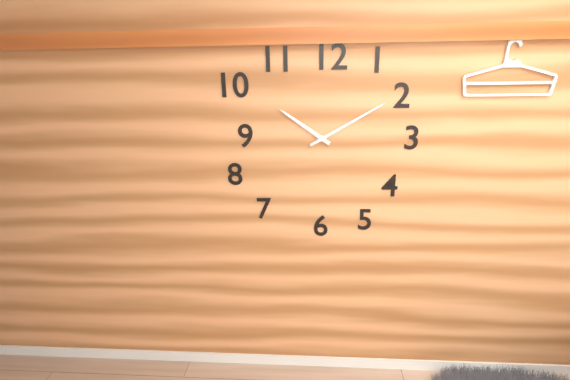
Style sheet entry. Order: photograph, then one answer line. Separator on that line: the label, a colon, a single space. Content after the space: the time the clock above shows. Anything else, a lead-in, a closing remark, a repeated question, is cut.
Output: 10:10
